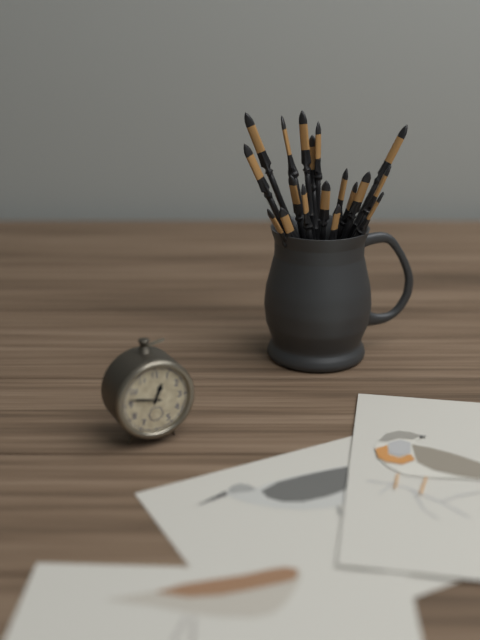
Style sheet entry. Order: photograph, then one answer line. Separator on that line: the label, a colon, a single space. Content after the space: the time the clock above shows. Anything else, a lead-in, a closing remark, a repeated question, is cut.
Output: 12:47
